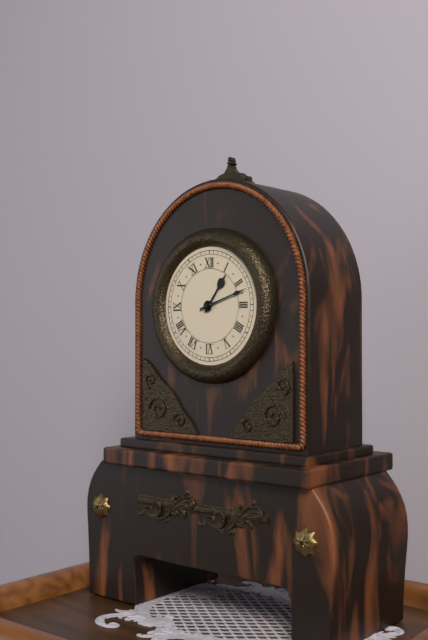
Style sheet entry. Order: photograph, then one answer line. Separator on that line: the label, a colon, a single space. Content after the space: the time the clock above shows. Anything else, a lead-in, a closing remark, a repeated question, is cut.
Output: 1:12
